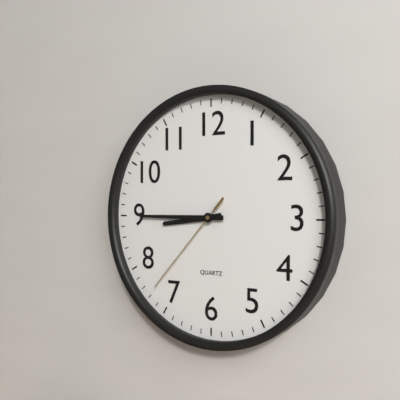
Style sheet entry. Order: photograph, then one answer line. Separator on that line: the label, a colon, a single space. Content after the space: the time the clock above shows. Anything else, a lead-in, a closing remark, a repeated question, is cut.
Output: 8:45:37
